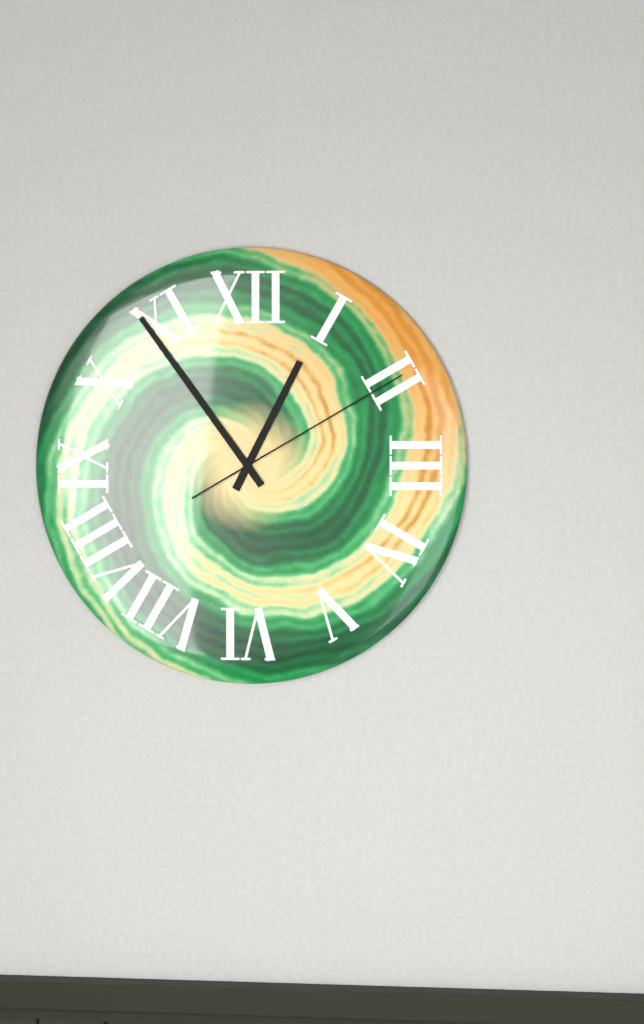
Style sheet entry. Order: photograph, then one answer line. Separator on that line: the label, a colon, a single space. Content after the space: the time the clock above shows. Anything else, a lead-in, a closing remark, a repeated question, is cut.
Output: 12:54:10
